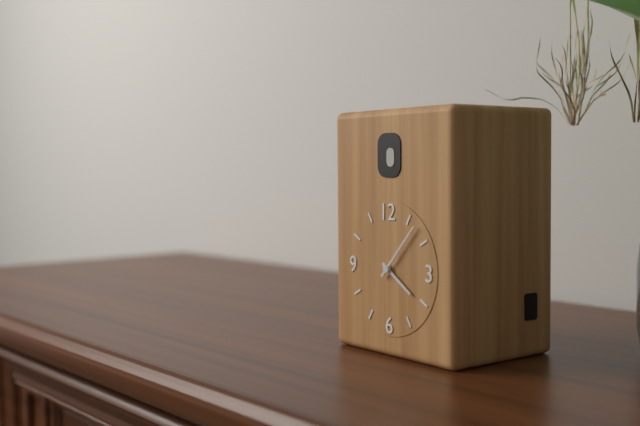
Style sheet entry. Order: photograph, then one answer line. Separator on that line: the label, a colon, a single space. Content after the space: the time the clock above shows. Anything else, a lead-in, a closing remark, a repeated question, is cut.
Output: 4:07
